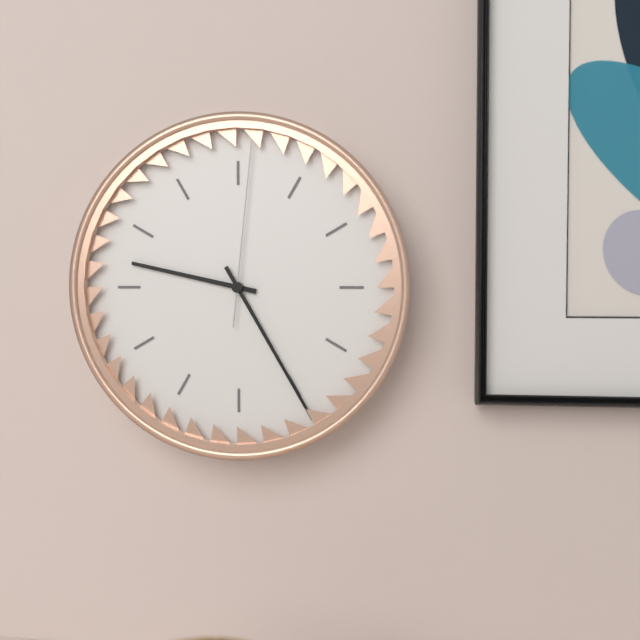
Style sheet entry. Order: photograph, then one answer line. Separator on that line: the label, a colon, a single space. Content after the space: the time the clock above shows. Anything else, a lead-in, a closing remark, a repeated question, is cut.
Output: 9:25:01
